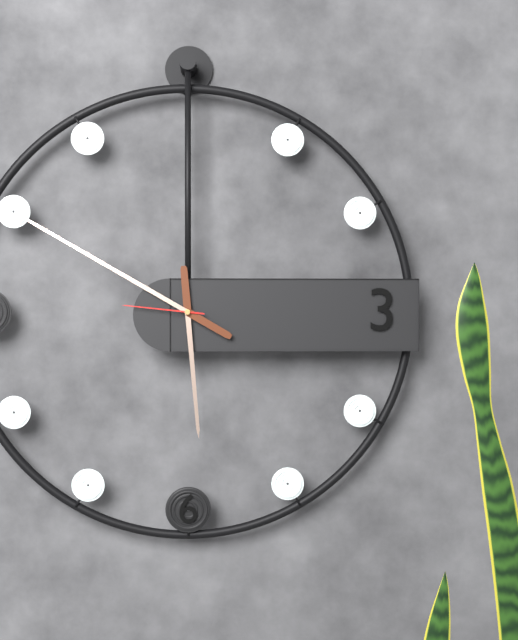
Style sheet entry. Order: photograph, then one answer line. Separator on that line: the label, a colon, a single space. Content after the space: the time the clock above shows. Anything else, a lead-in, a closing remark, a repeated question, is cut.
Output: 5:50:46
